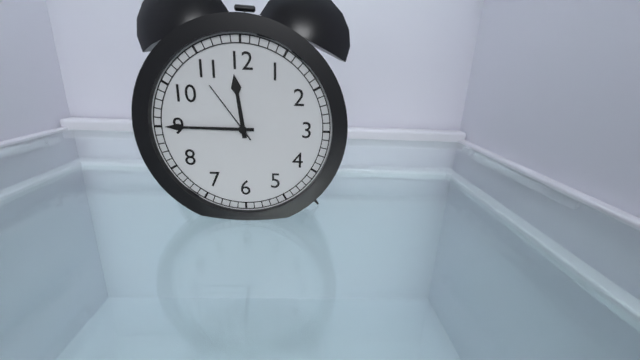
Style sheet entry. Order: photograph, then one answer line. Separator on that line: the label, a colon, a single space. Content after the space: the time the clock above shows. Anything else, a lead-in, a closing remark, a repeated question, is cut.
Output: 11:45:54
